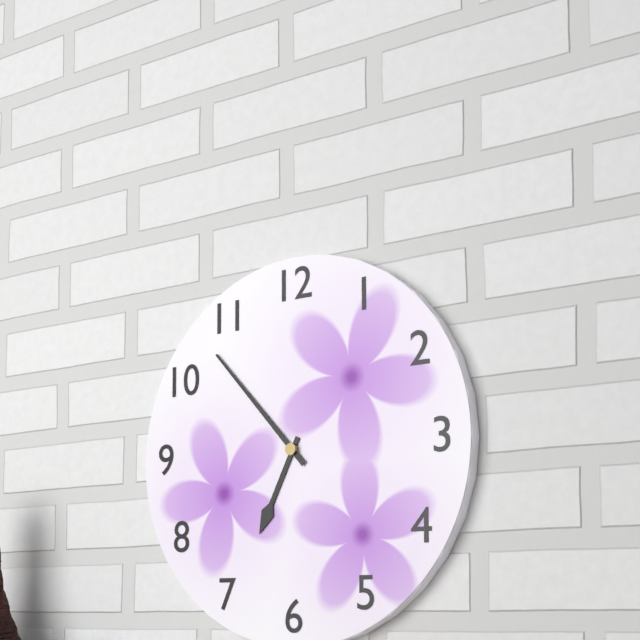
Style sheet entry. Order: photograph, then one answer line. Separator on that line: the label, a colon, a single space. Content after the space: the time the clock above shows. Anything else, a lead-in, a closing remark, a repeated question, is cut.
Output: 6:53
